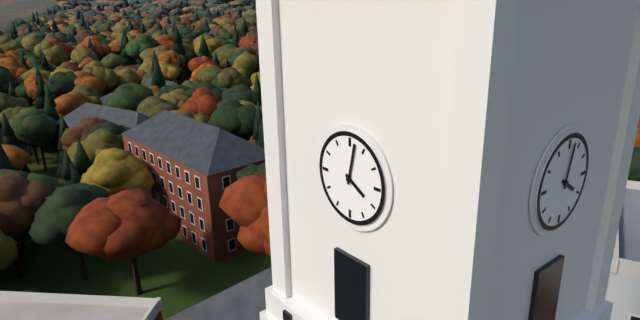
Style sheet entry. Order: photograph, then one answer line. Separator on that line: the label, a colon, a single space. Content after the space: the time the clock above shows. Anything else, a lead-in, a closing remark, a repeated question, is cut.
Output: 4:02
